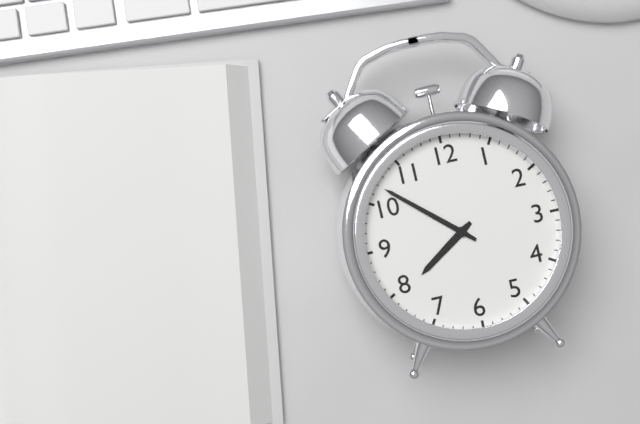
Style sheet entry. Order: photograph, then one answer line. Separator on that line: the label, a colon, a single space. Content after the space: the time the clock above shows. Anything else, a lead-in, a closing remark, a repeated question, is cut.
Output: 7:52
